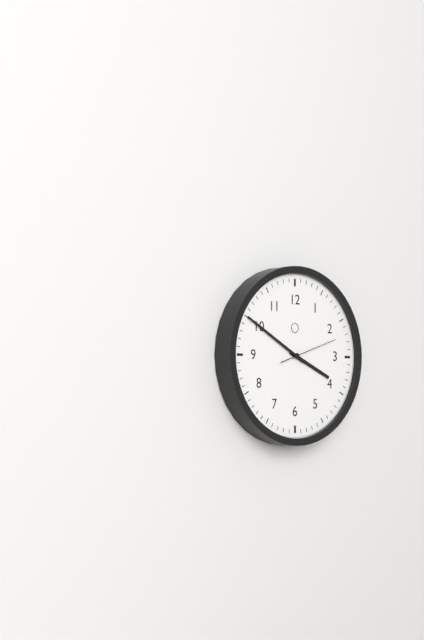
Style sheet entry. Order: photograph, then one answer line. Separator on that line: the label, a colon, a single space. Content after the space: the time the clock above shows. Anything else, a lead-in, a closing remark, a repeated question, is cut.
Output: 3:50:12
